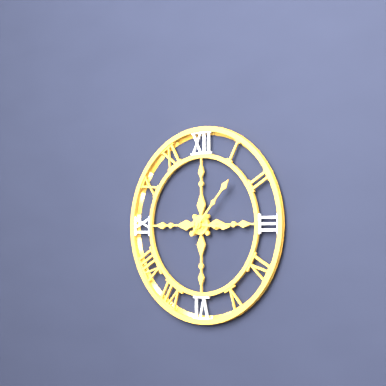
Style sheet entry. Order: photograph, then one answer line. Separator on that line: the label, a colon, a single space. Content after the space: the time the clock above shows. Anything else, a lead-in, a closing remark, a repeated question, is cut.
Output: 3:07
